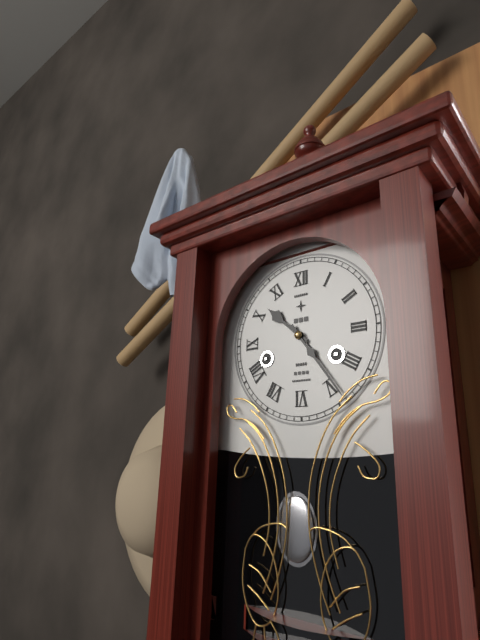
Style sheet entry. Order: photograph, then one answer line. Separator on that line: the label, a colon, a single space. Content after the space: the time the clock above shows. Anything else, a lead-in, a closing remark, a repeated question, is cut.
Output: 10:24
